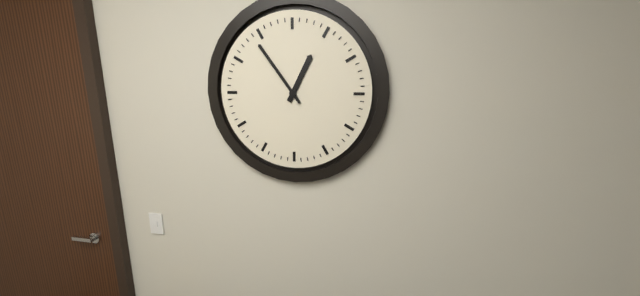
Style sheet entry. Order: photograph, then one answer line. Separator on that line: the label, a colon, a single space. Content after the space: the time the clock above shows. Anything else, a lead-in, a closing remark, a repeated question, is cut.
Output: 12:54
